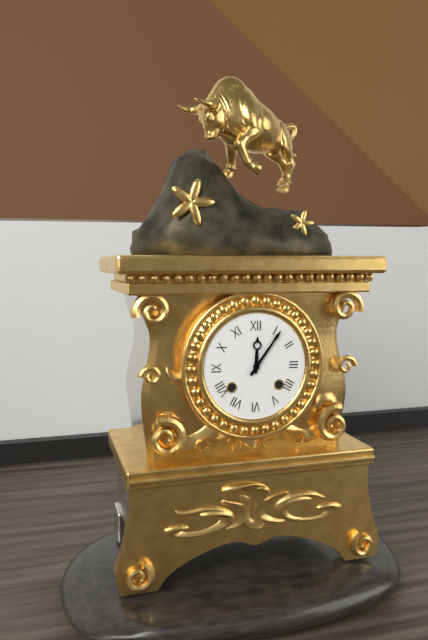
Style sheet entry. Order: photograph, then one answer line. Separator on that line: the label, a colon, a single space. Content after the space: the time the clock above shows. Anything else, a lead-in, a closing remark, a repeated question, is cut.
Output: 12:06
